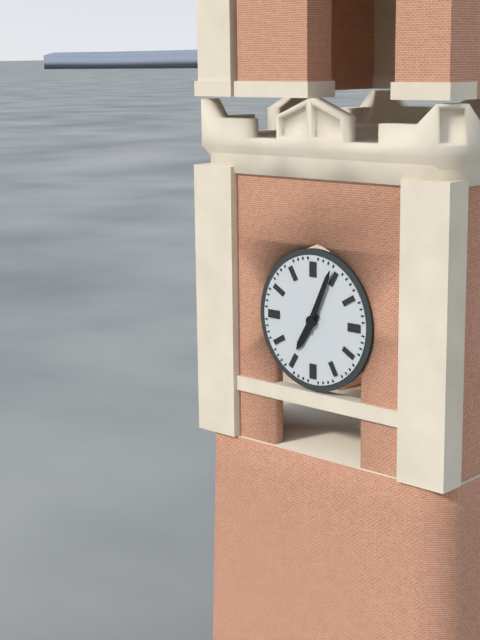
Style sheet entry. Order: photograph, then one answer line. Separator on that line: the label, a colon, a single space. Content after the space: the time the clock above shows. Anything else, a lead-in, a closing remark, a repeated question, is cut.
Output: 7:04
